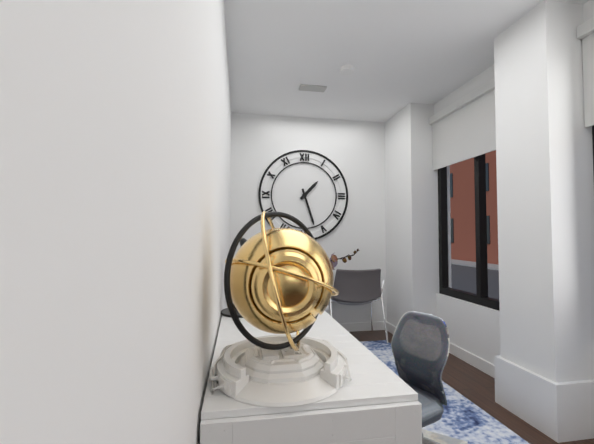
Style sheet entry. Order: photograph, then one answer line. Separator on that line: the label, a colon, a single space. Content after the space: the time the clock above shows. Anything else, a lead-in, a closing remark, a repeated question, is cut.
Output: 1:27
